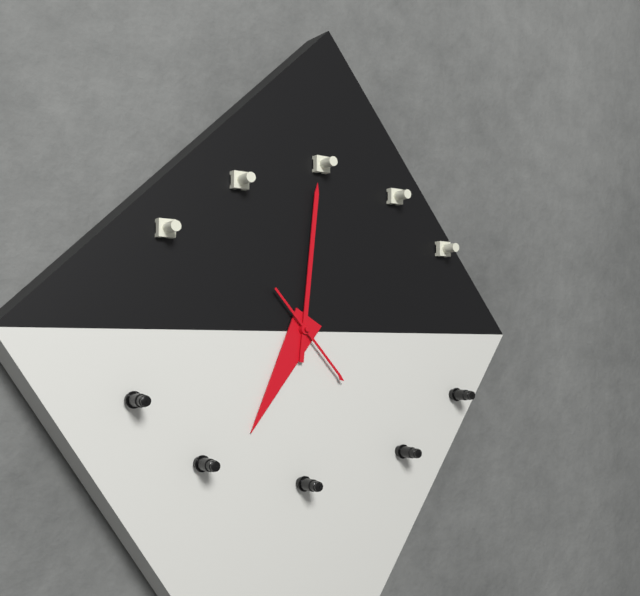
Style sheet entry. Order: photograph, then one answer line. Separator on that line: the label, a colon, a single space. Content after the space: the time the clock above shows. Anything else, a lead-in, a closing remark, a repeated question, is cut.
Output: 7:01:23
